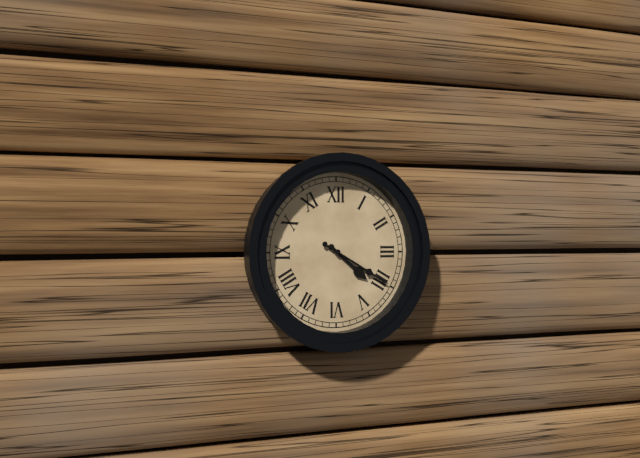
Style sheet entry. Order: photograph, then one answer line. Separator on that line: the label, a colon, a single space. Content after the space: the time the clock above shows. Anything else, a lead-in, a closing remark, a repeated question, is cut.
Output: 4:20
